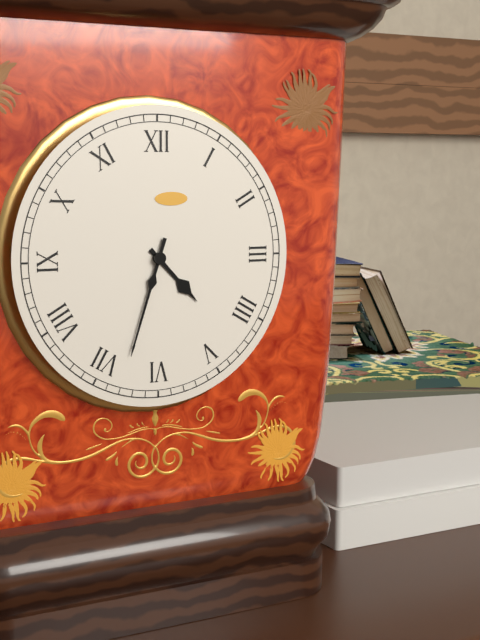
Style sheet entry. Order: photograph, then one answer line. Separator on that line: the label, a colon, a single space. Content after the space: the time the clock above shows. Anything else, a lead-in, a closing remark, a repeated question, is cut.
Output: 4:33
